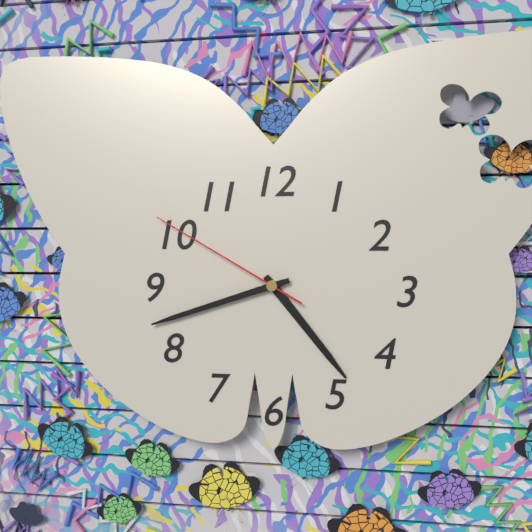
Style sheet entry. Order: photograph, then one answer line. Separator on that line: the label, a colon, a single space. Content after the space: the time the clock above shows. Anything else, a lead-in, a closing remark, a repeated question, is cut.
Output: 4:42:50
